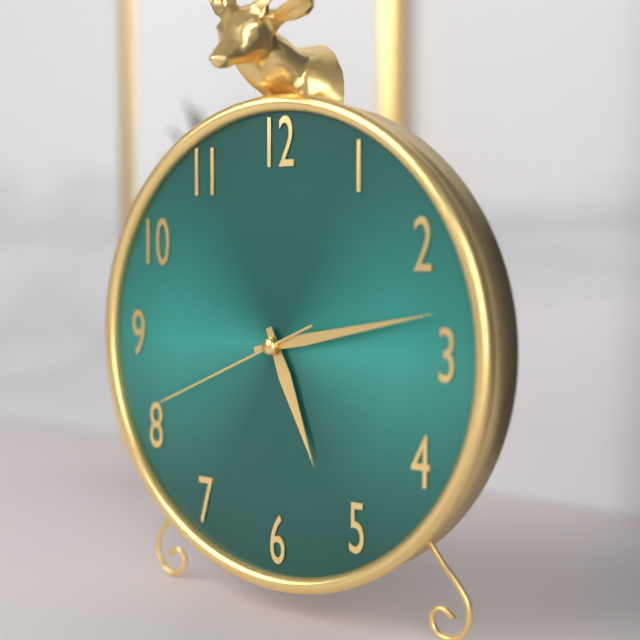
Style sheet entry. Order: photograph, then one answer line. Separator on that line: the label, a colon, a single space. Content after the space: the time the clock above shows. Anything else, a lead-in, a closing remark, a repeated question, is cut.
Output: 5:13:41
